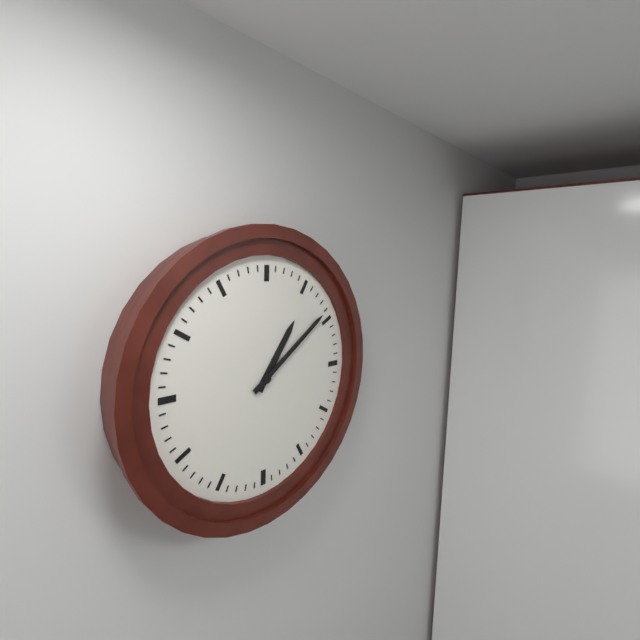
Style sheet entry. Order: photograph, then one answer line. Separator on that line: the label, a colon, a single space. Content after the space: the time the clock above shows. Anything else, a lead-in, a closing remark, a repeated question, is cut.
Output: 1:09
